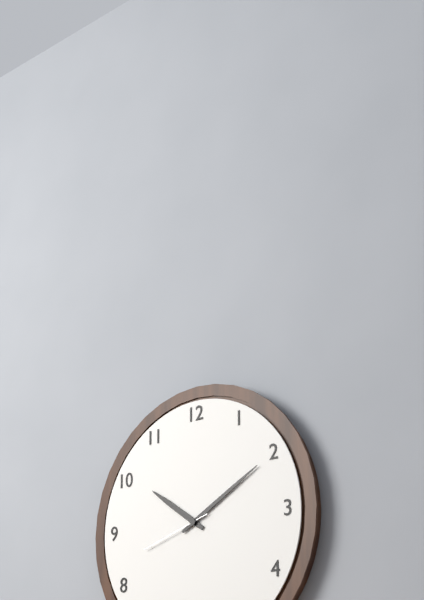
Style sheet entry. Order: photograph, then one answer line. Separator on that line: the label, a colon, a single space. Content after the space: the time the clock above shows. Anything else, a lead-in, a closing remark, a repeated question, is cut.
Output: 10:10:42
